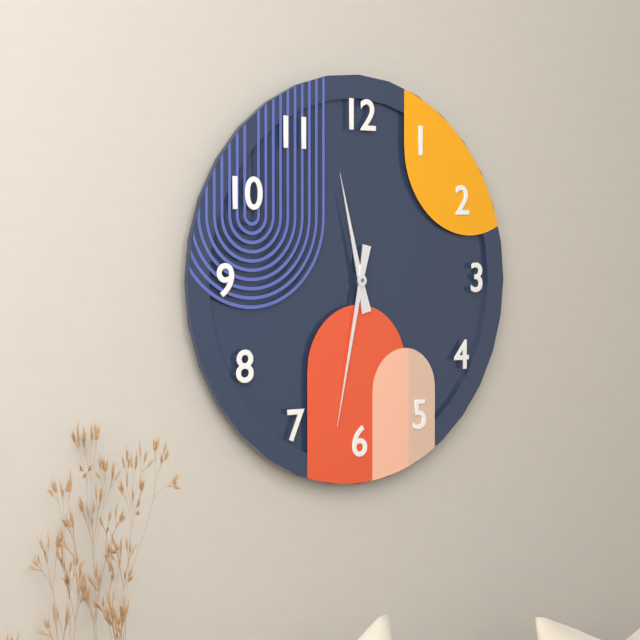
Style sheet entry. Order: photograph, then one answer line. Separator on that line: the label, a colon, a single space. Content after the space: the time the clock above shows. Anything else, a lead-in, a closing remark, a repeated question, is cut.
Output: 11:32
